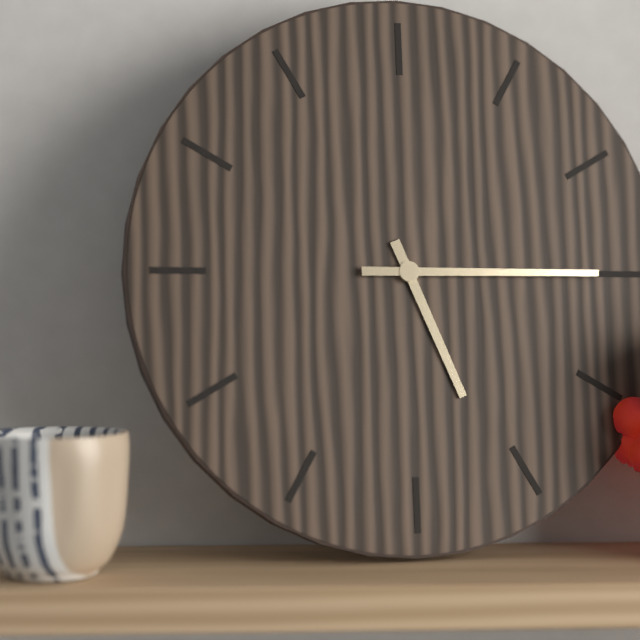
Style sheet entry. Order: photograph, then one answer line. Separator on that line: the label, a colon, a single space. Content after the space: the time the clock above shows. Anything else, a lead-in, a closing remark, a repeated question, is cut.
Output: 5:15
